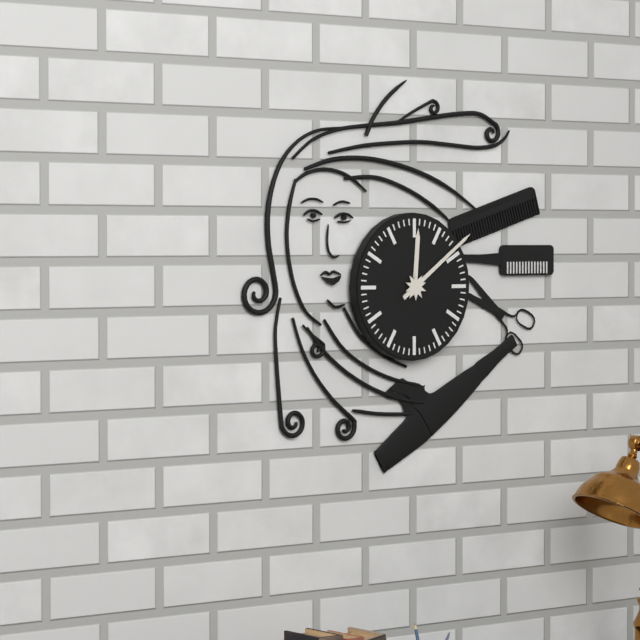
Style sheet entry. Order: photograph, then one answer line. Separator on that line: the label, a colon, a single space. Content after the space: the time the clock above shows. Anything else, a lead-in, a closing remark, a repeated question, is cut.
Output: 12:09
